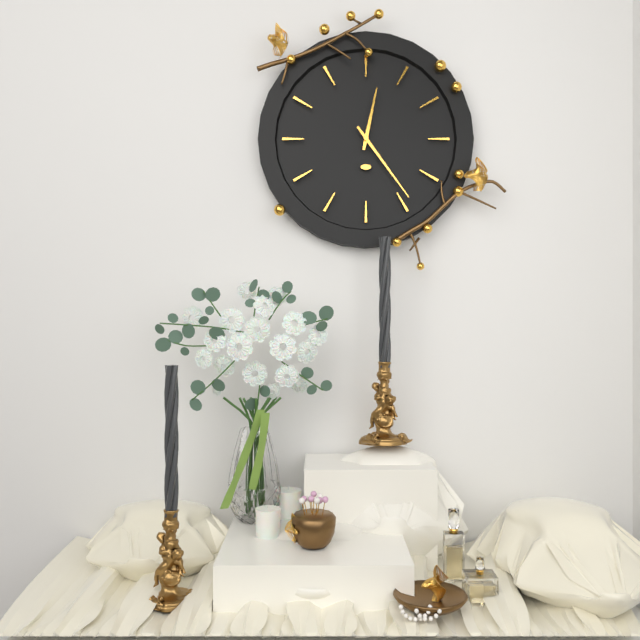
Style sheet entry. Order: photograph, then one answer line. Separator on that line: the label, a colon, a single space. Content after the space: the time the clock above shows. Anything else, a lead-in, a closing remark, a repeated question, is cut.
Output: 12:24
